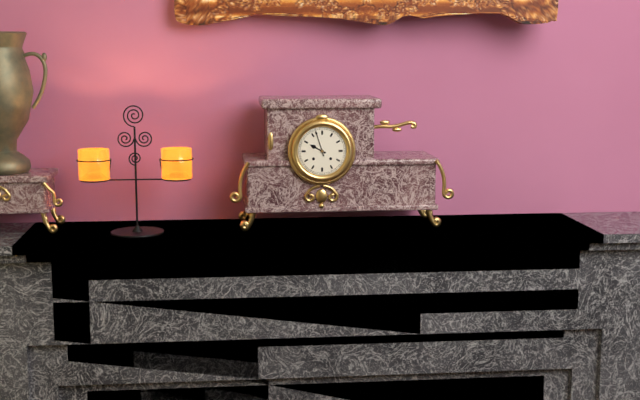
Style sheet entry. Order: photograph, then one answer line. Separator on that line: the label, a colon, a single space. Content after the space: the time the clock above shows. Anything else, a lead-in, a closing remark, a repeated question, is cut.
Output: 9:57
